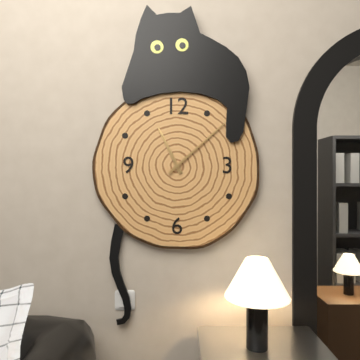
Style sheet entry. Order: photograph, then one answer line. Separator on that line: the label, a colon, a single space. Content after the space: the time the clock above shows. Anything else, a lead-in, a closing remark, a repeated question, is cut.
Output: 11:08
